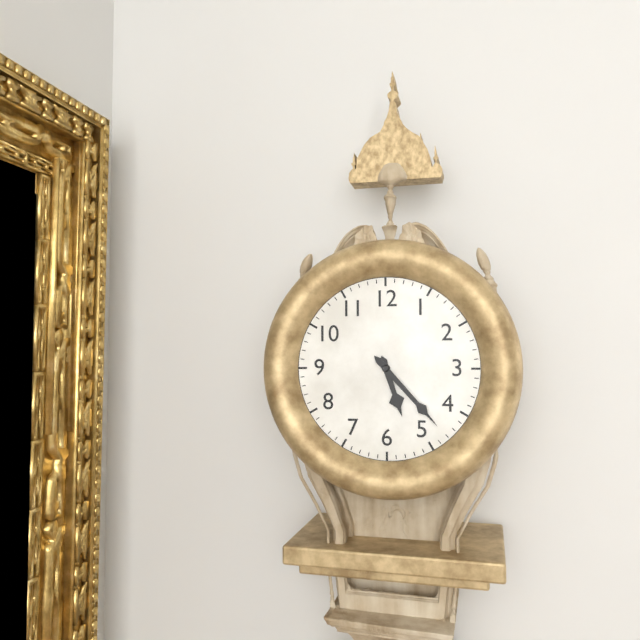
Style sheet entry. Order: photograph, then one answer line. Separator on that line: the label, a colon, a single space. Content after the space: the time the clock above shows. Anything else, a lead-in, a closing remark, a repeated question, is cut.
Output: 5:23
